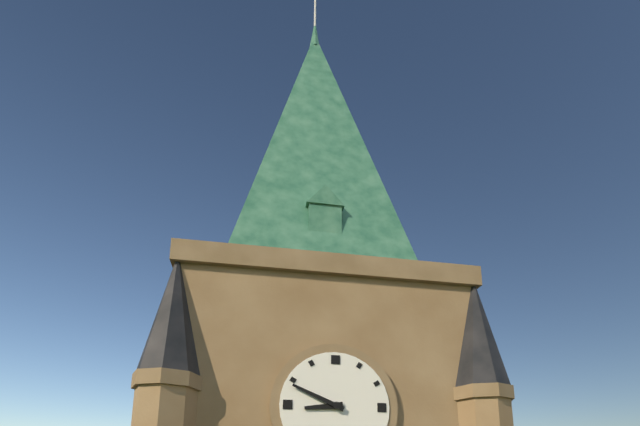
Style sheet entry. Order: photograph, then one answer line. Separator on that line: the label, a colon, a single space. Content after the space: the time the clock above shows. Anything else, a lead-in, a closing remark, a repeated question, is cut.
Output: 8:49
